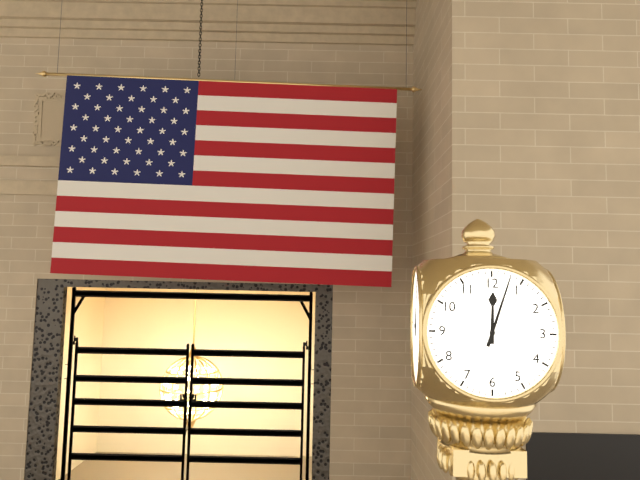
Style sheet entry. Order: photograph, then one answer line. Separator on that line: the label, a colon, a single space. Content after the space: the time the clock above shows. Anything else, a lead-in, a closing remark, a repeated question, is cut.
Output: 12:03
